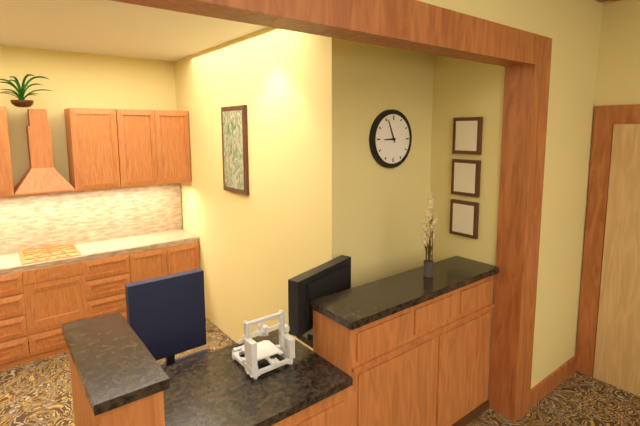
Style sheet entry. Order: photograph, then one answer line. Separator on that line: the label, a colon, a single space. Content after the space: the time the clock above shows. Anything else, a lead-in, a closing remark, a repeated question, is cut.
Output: 8:56
